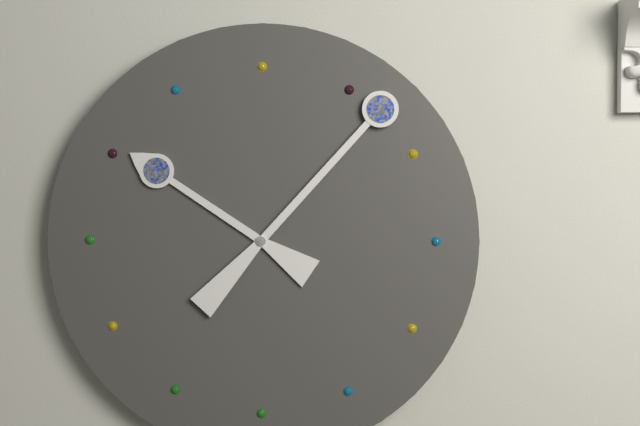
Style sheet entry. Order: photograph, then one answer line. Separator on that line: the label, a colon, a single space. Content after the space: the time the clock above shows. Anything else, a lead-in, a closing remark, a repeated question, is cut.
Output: 10:07
